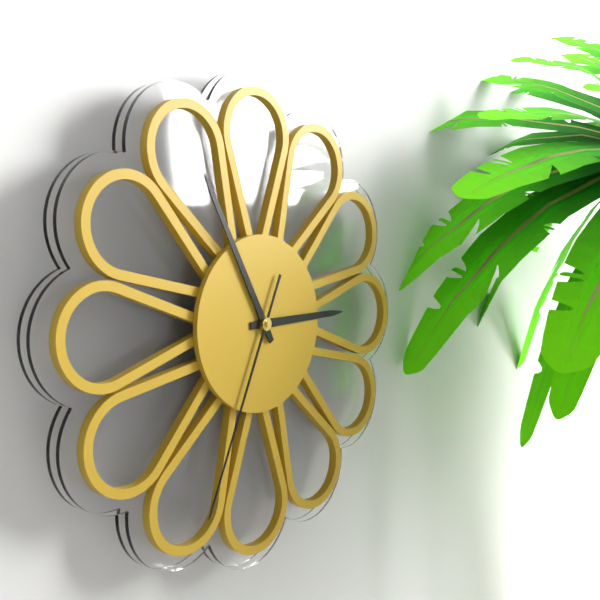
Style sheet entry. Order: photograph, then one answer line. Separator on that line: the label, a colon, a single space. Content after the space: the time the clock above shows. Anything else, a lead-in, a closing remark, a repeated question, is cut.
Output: 2:55:34
